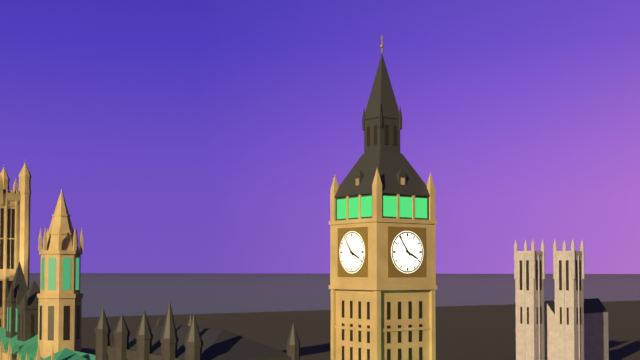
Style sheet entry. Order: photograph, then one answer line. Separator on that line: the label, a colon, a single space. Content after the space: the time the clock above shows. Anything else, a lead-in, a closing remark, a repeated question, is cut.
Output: 3:54
